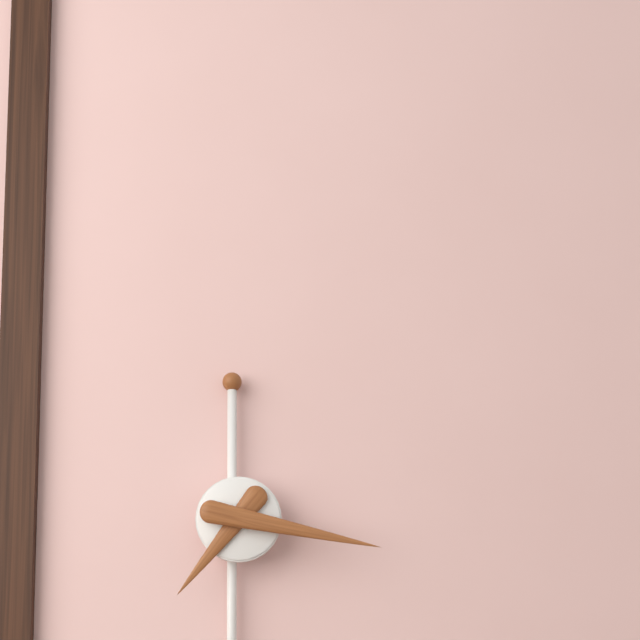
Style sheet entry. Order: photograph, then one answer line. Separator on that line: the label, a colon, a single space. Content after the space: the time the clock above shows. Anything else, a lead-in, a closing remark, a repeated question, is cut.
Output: 7:17
